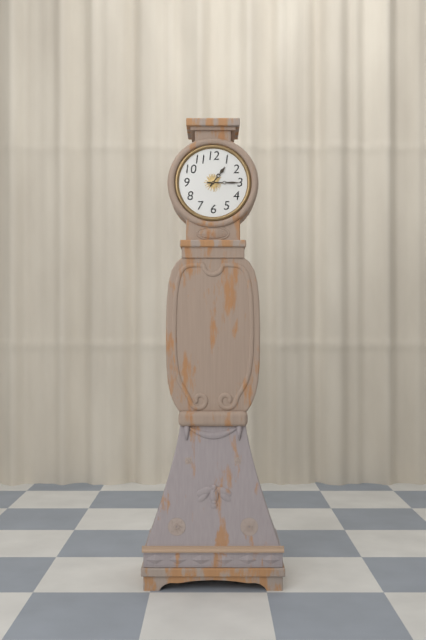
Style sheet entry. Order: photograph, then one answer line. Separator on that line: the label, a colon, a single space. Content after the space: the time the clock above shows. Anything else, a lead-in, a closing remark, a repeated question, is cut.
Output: 1:15
